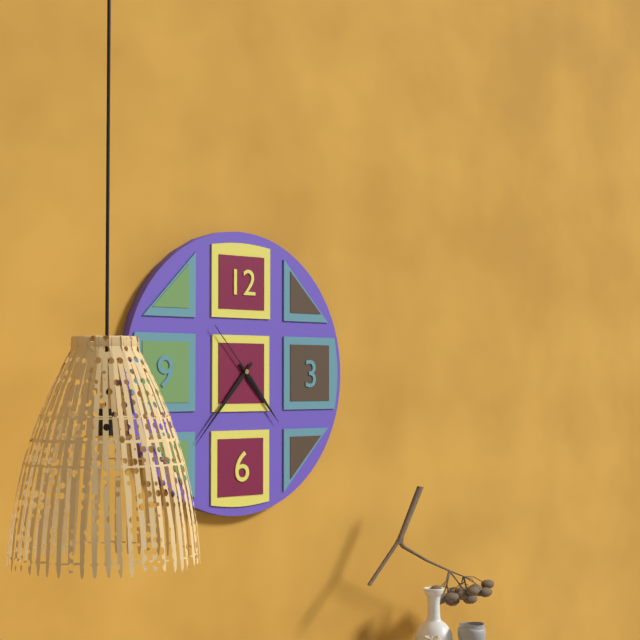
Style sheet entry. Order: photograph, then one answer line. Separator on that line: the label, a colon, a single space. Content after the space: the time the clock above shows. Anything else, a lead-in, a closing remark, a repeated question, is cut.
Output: 4:37:53
